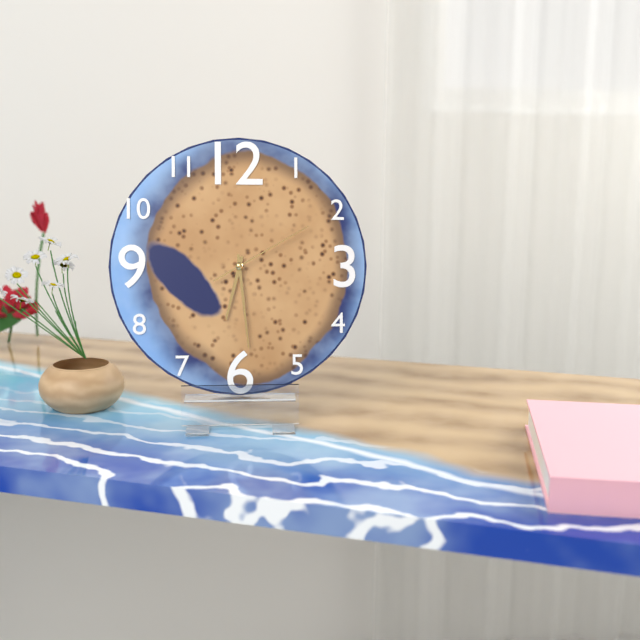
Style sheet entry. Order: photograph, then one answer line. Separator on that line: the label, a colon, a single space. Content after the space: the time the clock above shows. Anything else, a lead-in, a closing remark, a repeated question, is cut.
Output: 6:29:10
